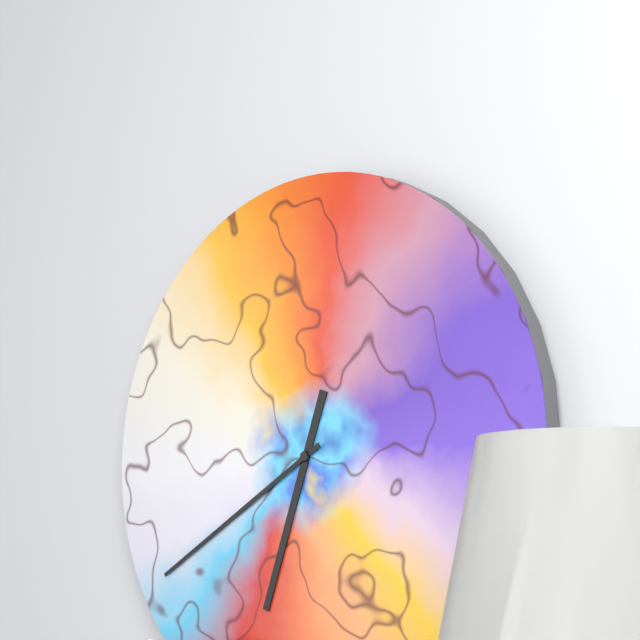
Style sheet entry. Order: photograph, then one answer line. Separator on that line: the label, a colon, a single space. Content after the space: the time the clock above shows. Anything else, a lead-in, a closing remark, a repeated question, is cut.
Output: 6:40
